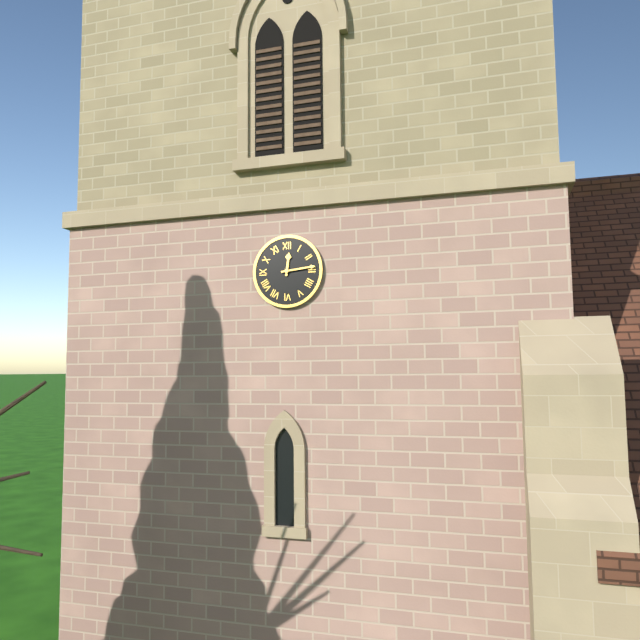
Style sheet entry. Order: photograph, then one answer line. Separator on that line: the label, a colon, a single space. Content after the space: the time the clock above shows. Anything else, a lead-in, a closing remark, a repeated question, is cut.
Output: 12:14
